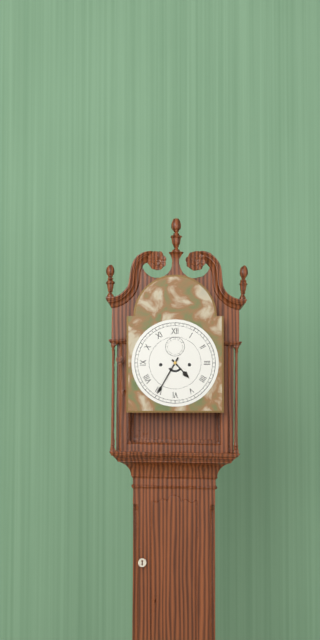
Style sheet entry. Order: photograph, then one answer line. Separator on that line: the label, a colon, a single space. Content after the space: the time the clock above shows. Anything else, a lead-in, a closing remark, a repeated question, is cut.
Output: 4:35
